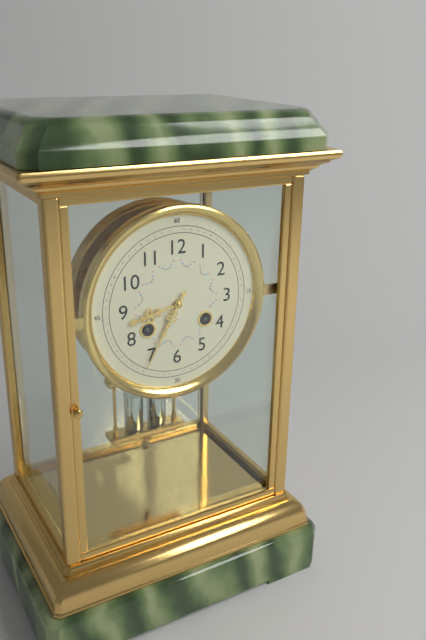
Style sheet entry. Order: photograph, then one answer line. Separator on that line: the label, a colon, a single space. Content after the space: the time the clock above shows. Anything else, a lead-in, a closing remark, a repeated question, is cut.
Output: 8:35
